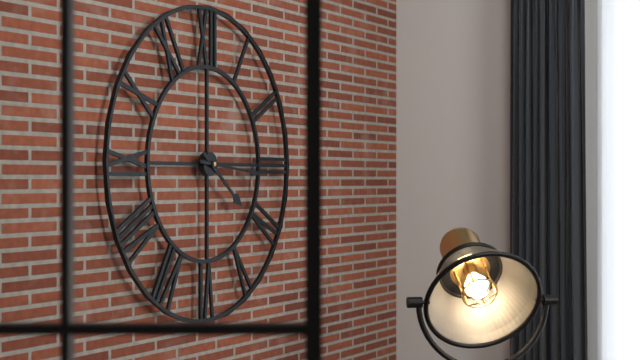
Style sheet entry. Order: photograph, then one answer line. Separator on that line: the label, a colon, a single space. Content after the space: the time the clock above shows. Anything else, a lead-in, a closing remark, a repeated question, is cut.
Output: 4:16
